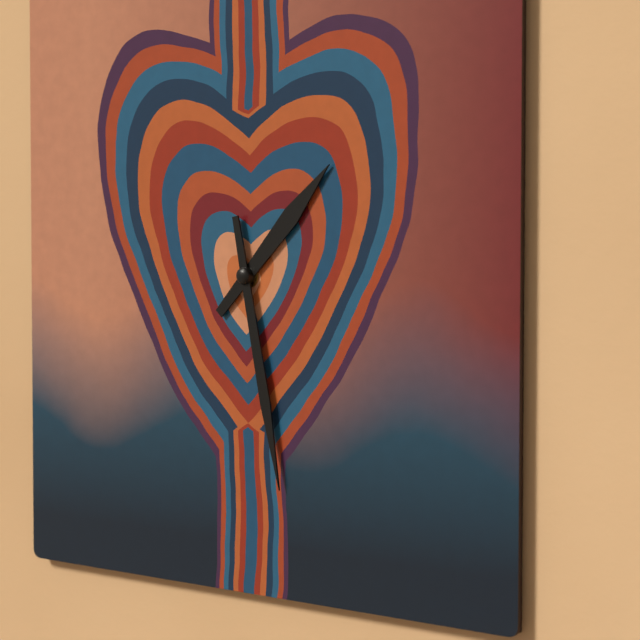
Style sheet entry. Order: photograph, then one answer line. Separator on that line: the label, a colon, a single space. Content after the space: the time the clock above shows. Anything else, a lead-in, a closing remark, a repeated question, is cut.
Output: 1:28
